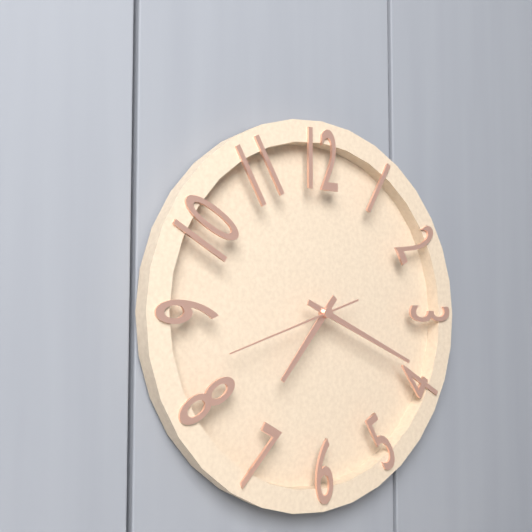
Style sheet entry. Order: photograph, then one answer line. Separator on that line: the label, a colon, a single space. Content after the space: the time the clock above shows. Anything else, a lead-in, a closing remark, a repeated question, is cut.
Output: 7:19:42
